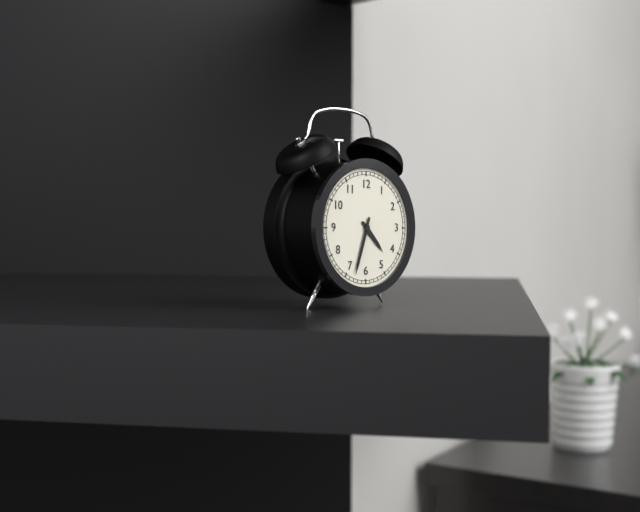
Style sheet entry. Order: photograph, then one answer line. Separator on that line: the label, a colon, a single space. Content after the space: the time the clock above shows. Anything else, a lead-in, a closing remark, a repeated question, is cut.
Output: 4:33
